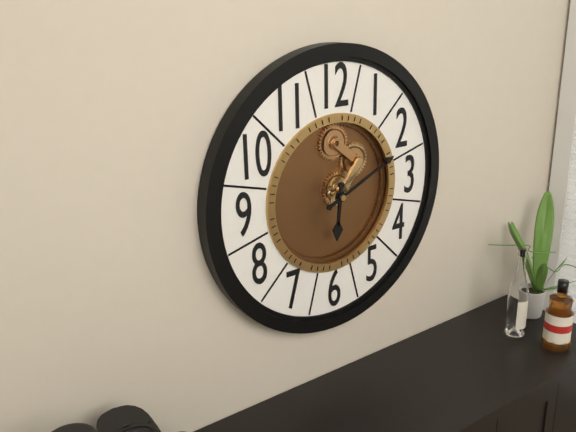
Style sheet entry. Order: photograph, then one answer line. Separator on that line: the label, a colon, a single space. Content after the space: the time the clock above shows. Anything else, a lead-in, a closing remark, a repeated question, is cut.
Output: 6:11
